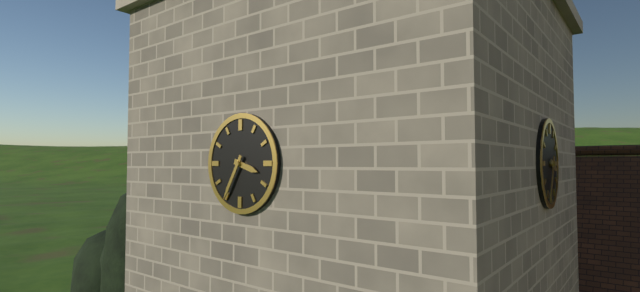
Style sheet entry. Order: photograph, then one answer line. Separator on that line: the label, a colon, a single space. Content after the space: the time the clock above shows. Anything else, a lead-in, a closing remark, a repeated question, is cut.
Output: 3:35
